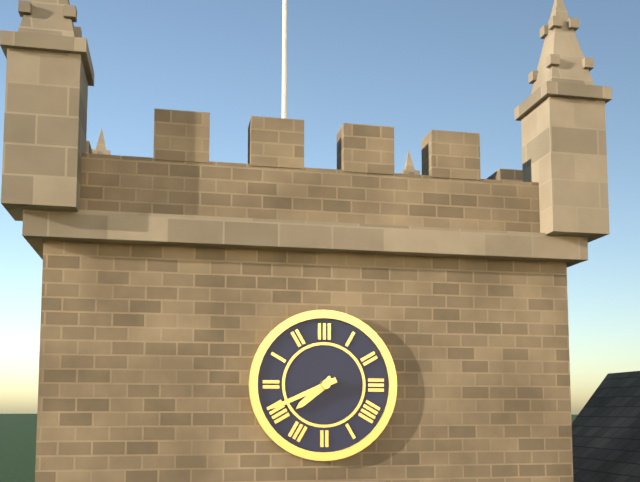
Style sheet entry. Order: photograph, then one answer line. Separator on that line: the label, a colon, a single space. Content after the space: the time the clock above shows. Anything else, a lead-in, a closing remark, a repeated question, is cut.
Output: 7:41
